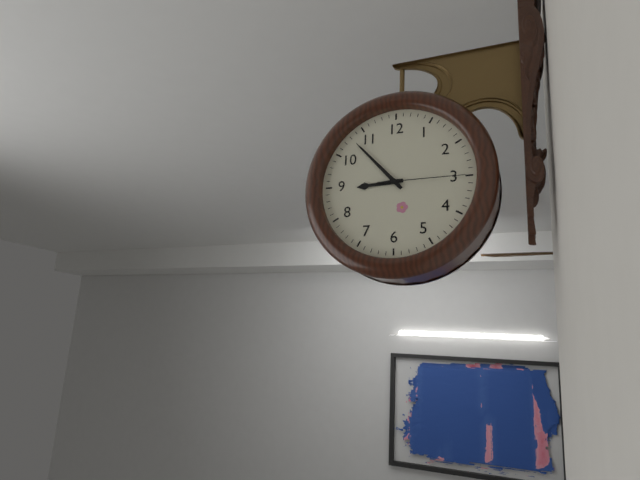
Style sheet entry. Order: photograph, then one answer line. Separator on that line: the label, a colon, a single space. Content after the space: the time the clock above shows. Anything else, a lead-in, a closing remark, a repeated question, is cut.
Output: 8:53:15
